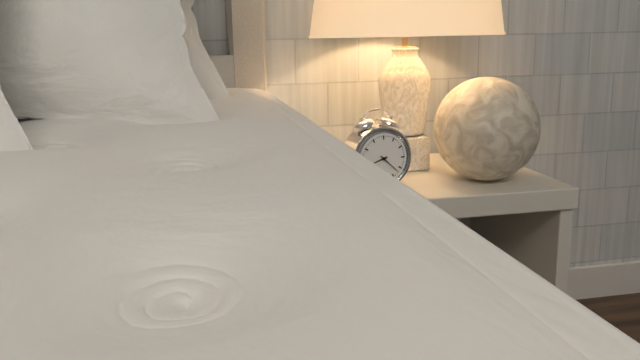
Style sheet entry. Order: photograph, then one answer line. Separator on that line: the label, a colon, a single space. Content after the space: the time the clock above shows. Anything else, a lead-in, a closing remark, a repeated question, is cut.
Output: 8:22
